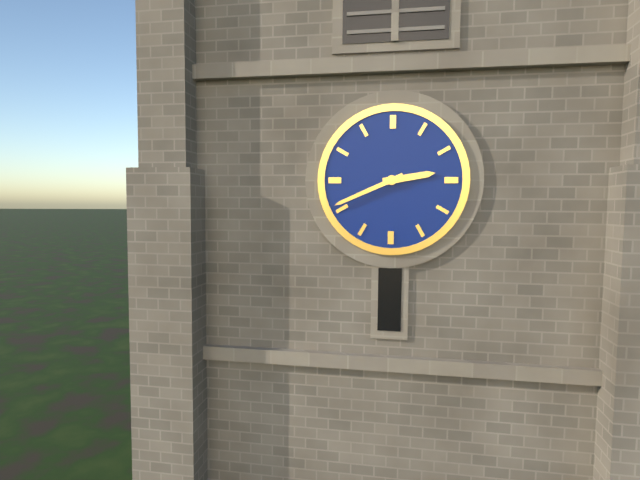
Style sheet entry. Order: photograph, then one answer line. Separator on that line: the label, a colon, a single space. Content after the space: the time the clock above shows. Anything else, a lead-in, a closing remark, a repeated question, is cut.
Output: 2:41
